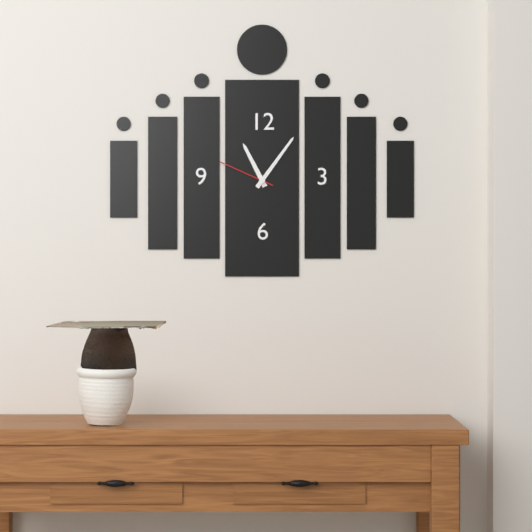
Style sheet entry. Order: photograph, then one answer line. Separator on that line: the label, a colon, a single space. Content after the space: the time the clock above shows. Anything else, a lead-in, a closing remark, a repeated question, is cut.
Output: 11:06:49
